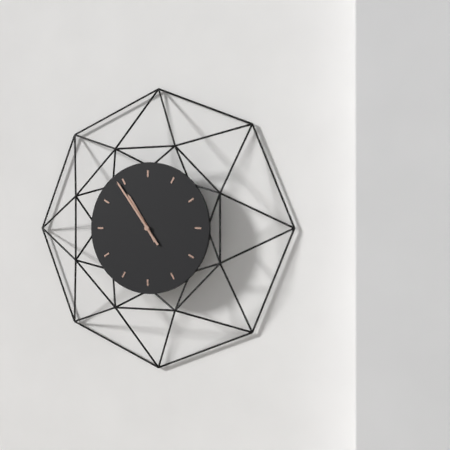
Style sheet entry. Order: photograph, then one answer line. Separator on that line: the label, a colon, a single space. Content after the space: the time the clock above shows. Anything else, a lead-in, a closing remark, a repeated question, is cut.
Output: 10:54
